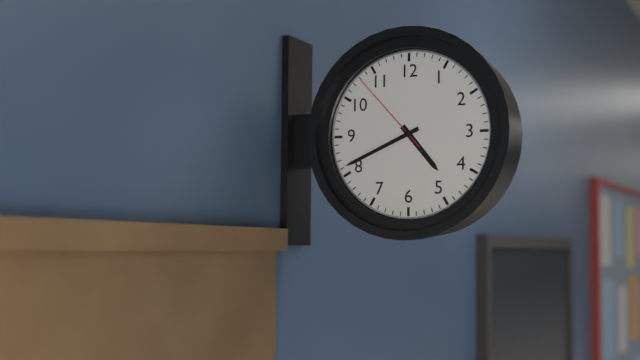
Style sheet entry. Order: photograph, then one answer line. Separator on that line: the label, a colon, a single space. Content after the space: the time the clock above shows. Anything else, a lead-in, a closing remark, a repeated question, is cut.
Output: 4:41:53
